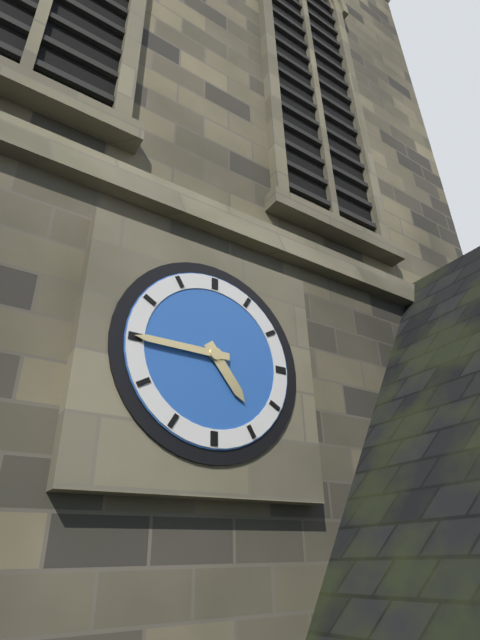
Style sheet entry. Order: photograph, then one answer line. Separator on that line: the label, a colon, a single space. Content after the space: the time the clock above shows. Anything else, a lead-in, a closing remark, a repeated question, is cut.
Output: 4:45
